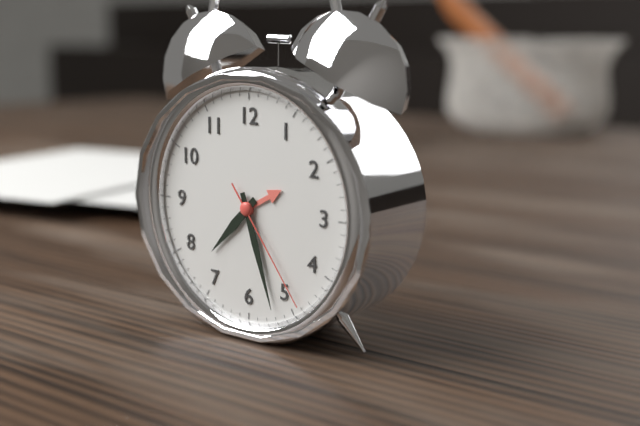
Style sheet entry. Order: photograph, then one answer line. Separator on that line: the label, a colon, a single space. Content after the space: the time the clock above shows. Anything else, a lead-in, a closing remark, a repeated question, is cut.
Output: 7:27:24
